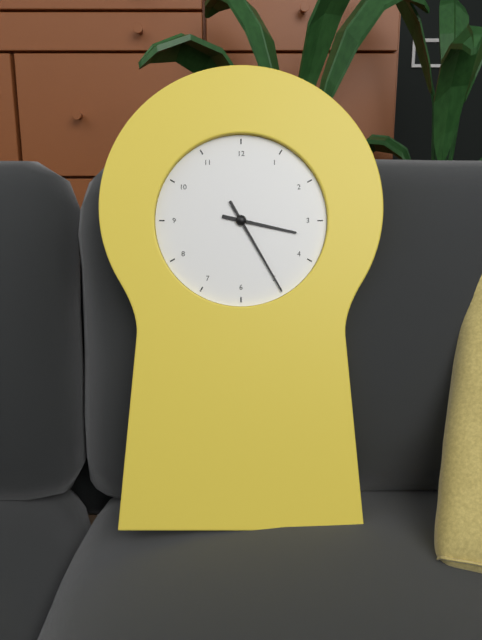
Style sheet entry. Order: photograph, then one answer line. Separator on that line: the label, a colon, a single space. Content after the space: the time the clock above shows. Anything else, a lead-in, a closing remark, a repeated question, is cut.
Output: 3:25
